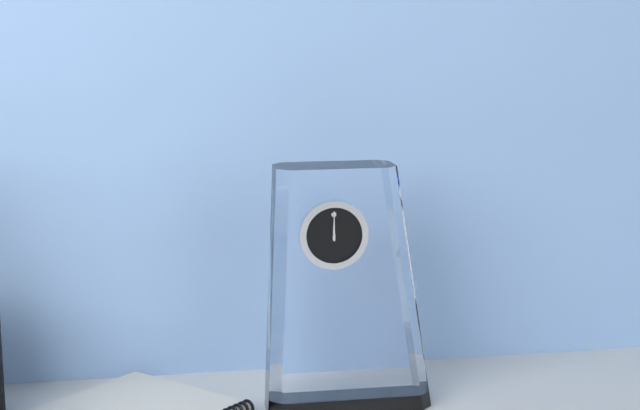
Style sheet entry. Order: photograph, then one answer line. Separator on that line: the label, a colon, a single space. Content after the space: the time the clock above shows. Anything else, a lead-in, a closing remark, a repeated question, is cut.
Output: 12:00
